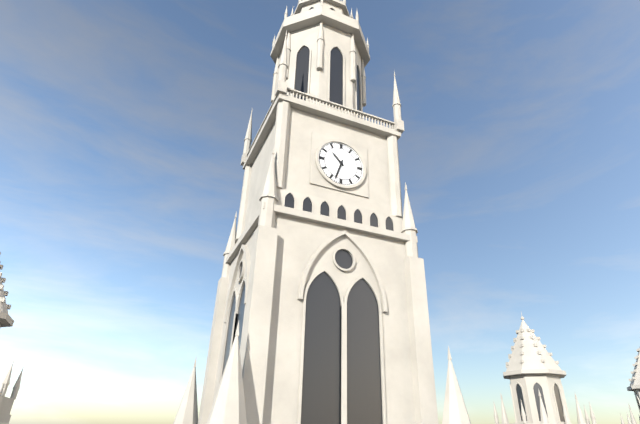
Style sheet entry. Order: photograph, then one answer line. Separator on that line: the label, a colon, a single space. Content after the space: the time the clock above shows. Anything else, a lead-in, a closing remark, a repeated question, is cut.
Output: 10:33
